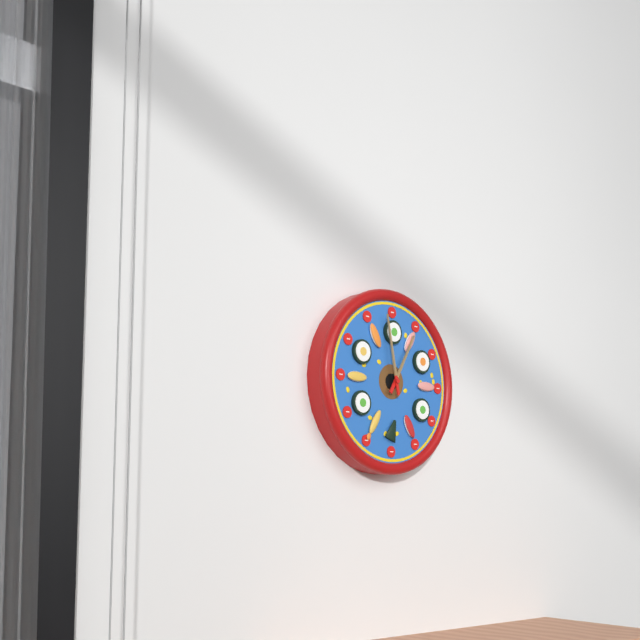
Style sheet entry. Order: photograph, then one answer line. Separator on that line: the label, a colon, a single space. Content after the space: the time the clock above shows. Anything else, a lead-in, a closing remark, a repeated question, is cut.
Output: 12:58
